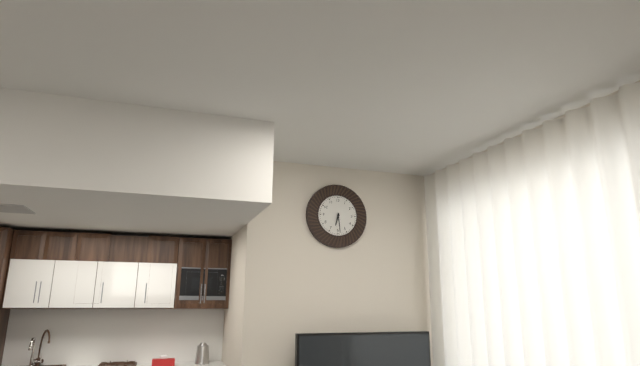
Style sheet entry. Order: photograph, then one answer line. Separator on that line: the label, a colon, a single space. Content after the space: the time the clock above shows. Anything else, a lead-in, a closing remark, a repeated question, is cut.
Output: 6:29
